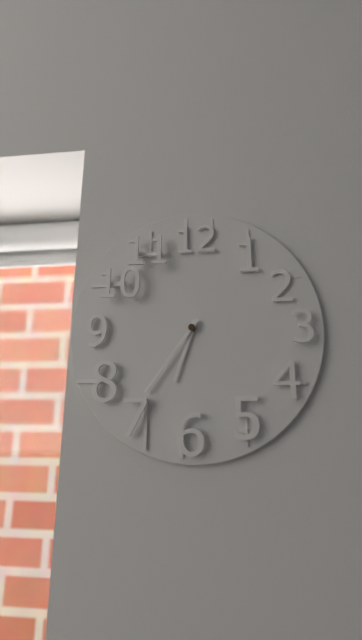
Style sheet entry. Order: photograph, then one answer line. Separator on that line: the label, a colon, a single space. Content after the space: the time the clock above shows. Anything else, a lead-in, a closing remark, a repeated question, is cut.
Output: 6:36
